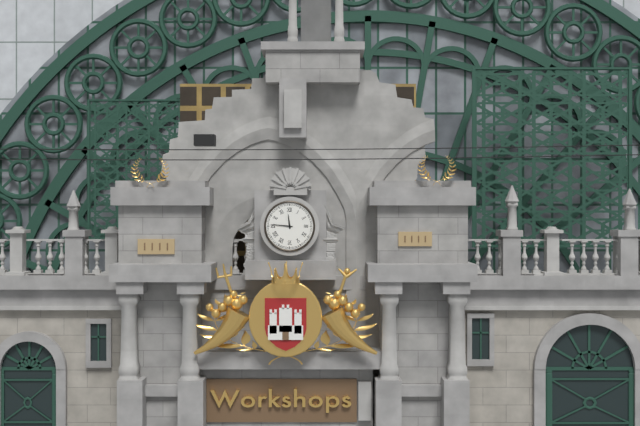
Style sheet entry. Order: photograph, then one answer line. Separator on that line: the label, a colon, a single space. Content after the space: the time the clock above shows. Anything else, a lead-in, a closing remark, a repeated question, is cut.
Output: 11:46
